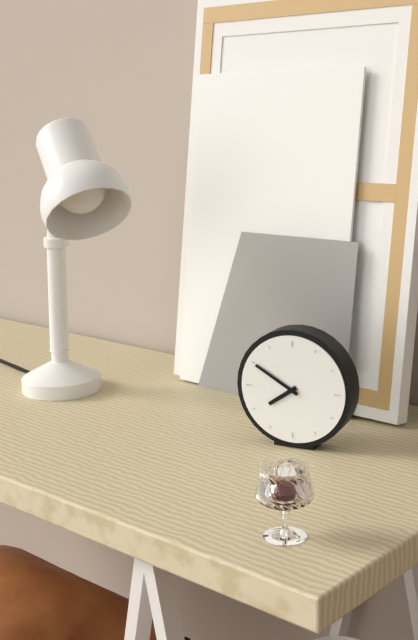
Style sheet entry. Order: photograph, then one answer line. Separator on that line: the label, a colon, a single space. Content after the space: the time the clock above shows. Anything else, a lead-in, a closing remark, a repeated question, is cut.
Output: 7:50
